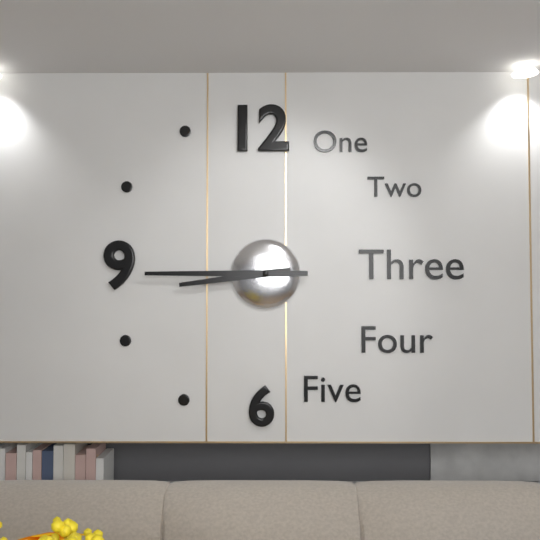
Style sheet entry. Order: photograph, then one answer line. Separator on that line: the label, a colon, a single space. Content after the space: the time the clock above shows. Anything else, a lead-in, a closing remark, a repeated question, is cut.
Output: 8:45
